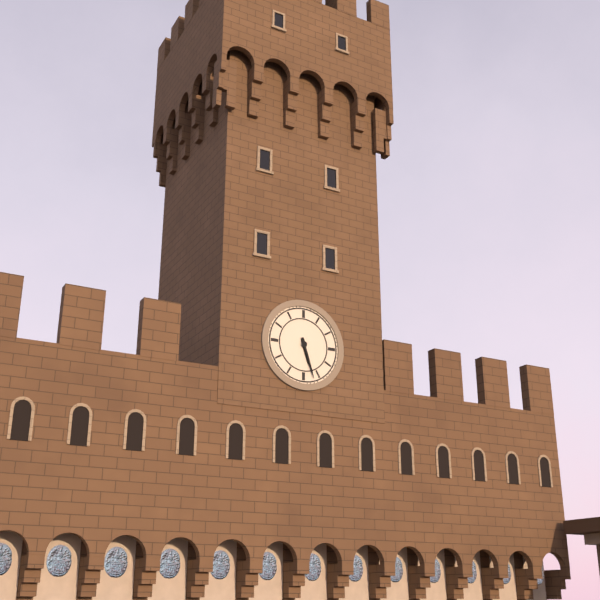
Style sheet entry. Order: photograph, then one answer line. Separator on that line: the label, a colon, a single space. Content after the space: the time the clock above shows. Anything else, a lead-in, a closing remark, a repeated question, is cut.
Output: 5:27
